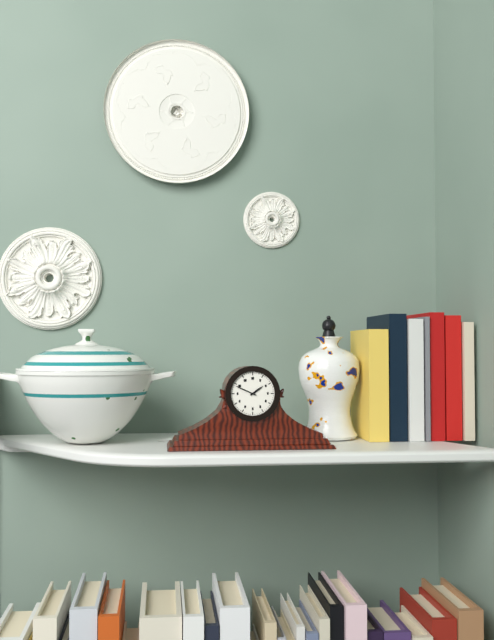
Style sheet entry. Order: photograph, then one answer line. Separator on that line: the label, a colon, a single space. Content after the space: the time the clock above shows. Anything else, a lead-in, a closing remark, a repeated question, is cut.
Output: 1:49
